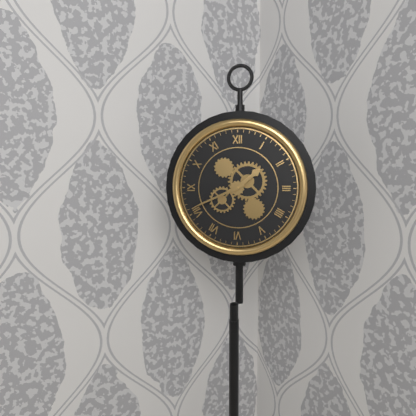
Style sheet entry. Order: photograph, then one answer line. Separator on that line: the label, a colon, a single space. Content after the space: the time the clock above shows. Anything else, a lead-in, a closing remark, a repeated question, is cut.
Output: 1:41
